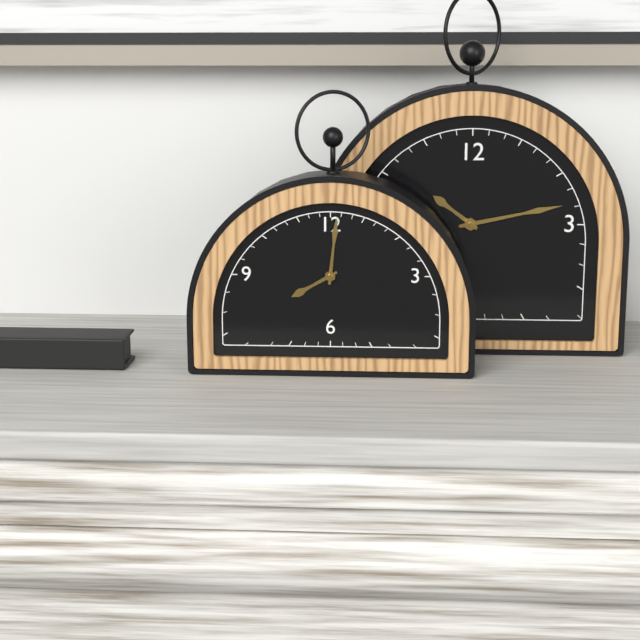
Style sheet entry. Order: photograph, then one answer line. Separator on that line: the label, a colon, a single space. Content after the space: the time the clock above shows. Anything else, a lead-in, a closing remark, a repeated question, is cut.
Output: 8:01
